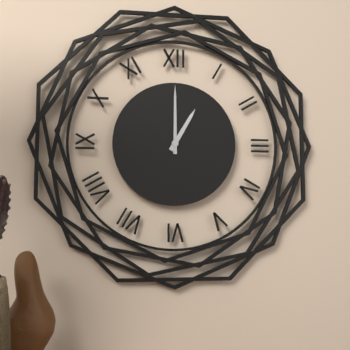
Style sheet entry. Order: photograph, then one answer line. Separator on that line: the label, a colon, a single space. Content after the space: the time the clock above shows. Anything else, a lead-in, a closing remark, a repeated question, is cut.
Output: 1:00
